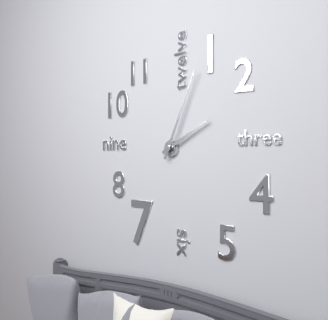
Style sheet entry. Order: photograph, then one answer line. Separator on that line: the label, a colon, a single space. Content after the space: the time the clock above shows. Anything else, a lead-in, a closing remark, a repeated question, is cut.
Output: 2:04
